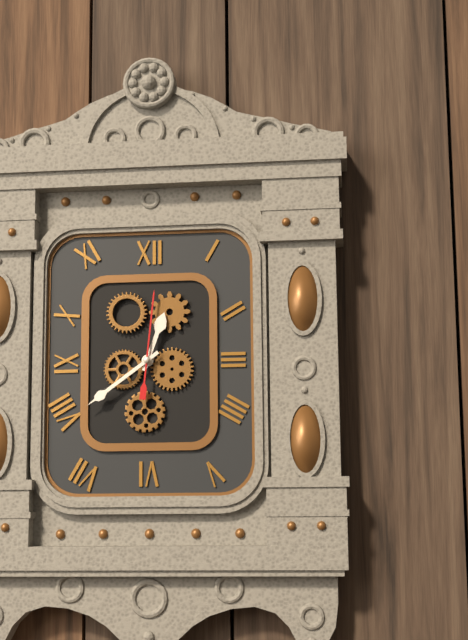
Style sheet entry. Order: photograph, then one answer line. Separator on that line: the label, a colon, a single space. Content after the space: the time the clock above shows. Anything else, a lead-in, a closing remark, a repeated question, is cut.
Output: 12:39:01
